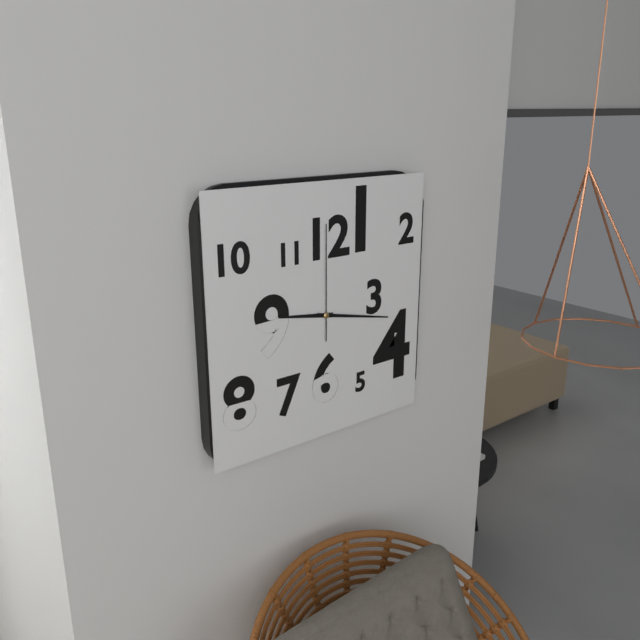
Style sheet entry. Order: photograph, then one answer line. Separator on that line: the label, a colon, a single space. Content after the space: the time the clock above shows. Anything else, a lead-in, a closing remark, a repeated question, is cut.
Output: 9:17:00
